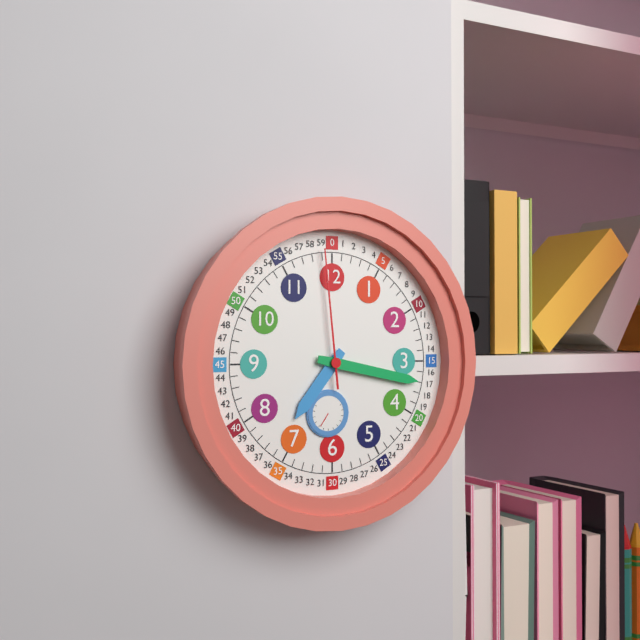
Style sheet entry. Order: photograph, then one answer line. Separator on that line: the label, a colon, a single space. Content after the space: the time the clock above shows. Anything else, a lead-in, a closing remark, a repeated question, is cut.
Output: 7:17:59
